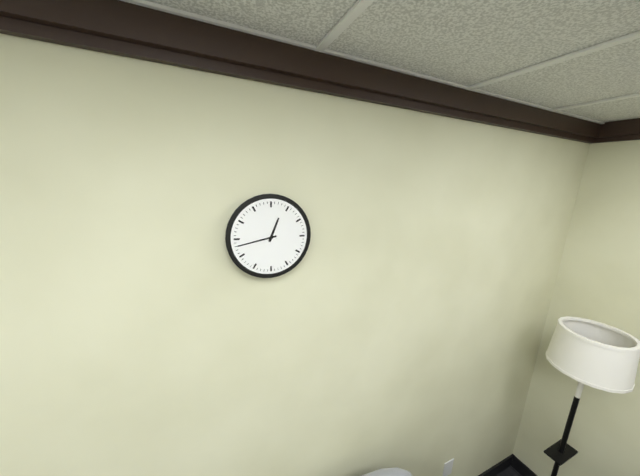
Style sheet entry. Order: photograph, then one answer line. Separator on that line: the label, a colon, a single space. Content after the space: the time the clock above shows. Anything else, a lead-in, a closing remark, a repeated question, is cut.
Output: 12:43
